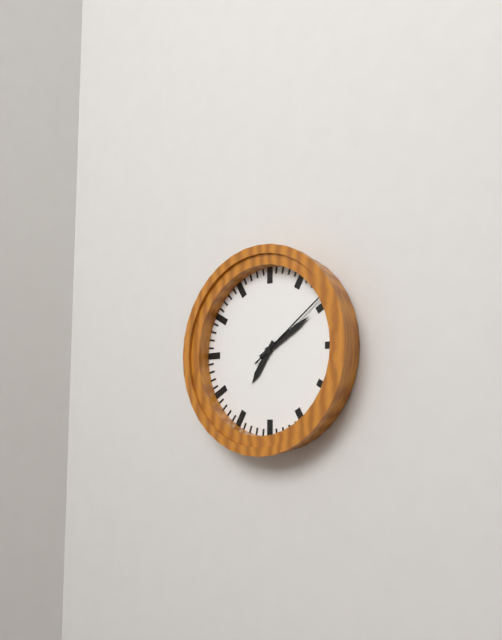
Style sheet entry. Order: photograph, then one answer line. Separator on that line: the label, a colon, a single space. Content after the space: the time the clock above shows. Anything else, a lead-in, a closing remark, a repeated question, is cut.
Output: 7:10:09
